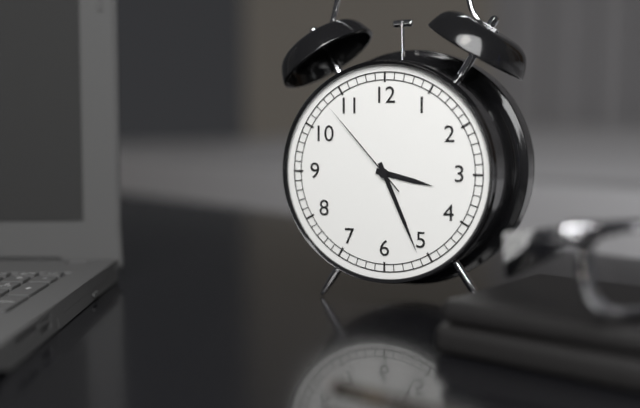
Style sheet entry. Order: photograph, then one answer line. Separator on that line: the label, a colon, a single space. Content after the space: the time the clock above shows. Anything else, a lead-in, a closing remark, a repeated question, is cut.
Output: 3:26:53
